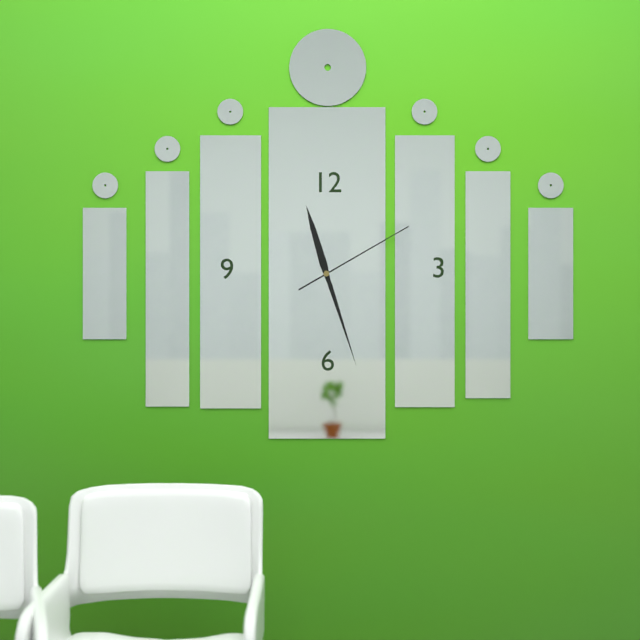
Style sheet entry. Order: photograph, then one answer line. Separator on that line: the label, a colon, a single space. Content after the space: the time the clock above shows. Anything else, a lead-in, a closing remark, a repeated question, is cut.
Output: 11:27:10
